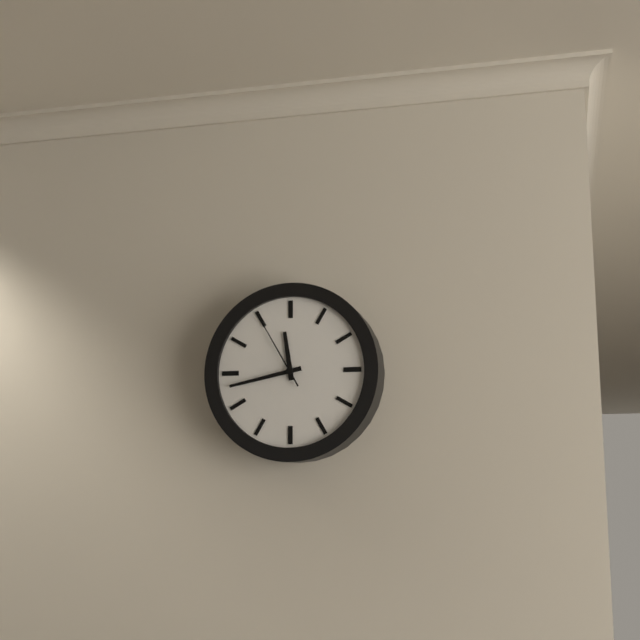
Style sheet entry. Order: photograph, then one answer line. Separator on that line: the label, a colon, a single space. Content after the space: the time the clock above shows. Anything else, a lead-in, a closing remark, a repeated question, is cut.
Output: 11:43:55
